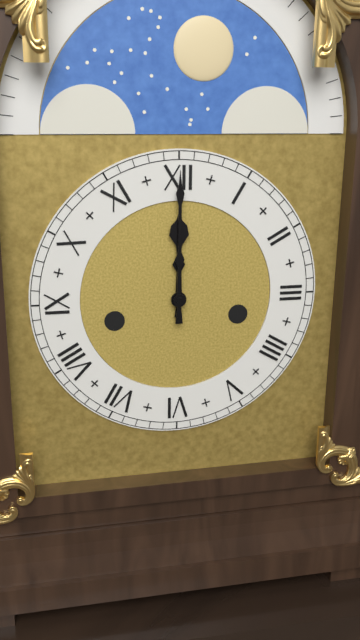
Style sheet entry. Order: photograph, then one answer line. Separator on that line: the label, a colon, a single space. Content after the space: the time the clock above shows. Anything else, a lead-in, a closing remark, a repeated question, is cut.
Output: 12:00
